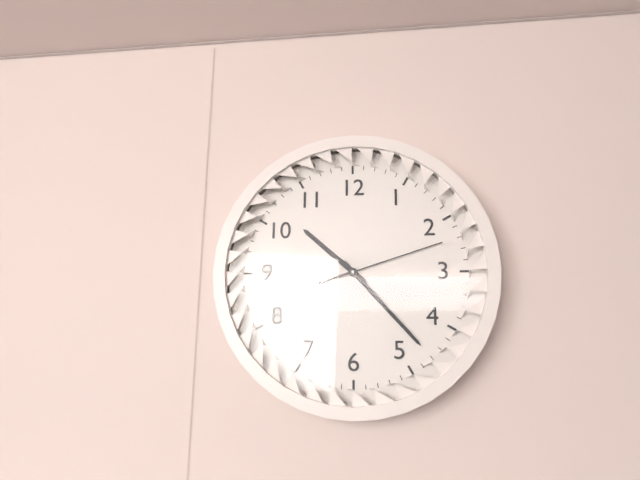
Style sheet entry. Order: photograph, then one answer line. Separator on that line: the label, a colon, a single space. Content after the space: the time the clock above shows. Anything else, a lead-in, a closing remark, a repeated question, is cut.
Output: 10:23:12
